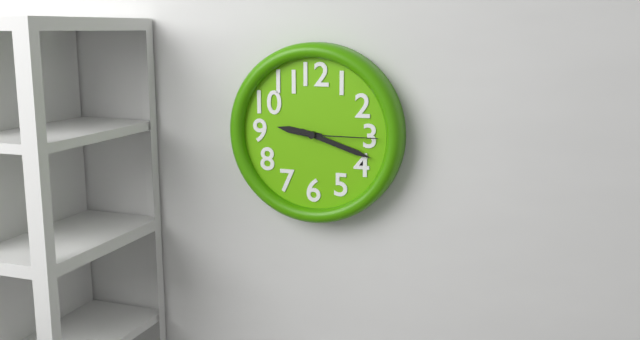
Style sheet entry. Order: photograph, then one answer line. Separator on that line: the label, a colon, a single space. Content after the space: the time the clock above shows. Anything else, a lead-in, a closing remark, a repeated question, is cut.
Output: 9:18:15
